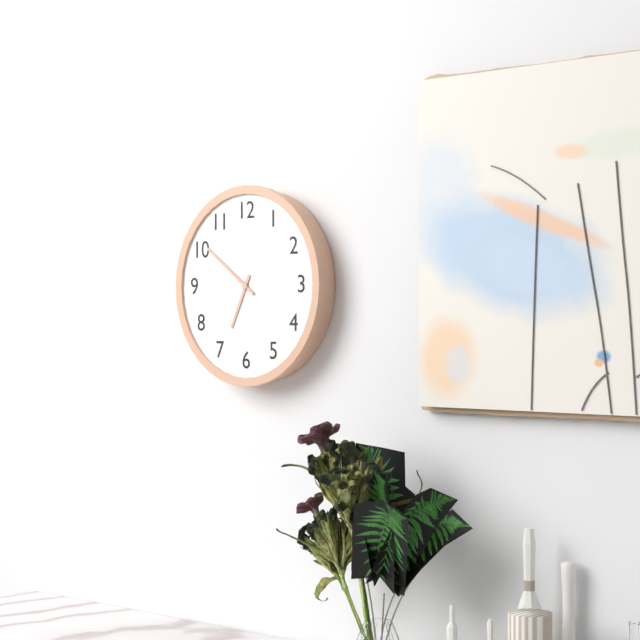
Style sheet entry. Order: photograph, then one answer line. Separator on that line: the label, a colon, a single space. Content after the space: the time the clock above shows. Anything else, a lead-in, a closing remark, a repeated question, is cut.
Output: 6:51
